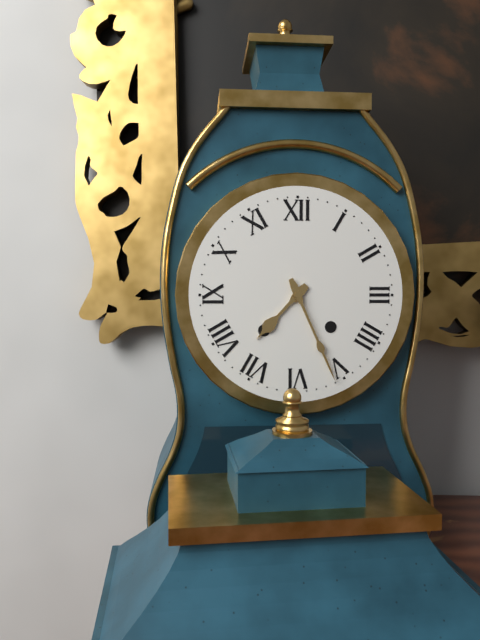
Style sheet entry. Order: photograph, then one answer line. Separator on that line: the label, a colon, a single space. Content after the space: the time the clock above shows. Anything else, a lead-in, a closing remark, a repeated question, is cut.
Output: 7:26
